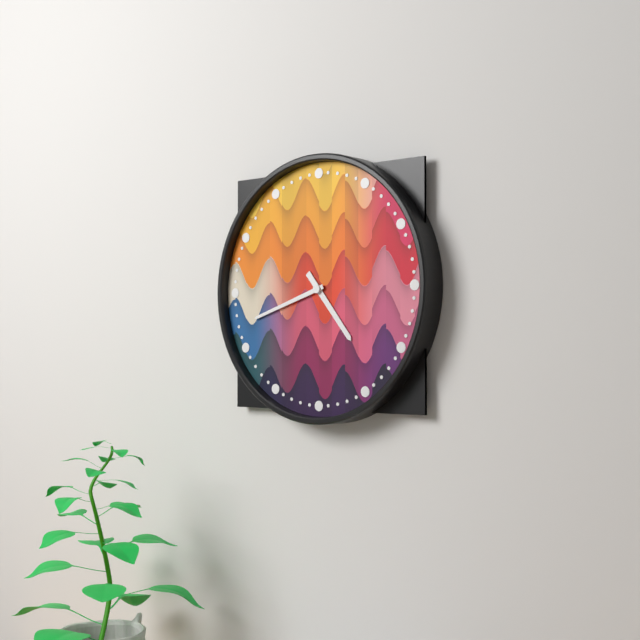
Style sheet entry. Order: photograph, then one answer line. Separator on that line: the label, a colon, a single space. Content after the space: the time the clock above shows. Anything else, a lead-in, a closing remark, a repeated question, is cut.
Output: 4:42
